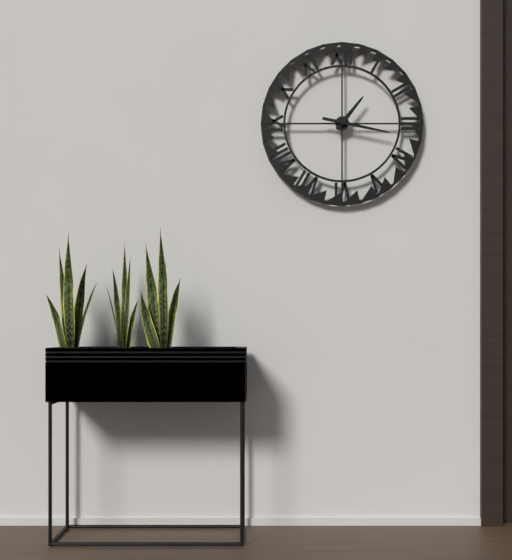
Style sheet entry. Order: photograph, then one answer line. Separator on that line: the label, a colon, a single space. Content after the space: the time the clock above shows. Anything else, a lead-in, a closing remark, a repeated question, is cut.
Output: 1:17
